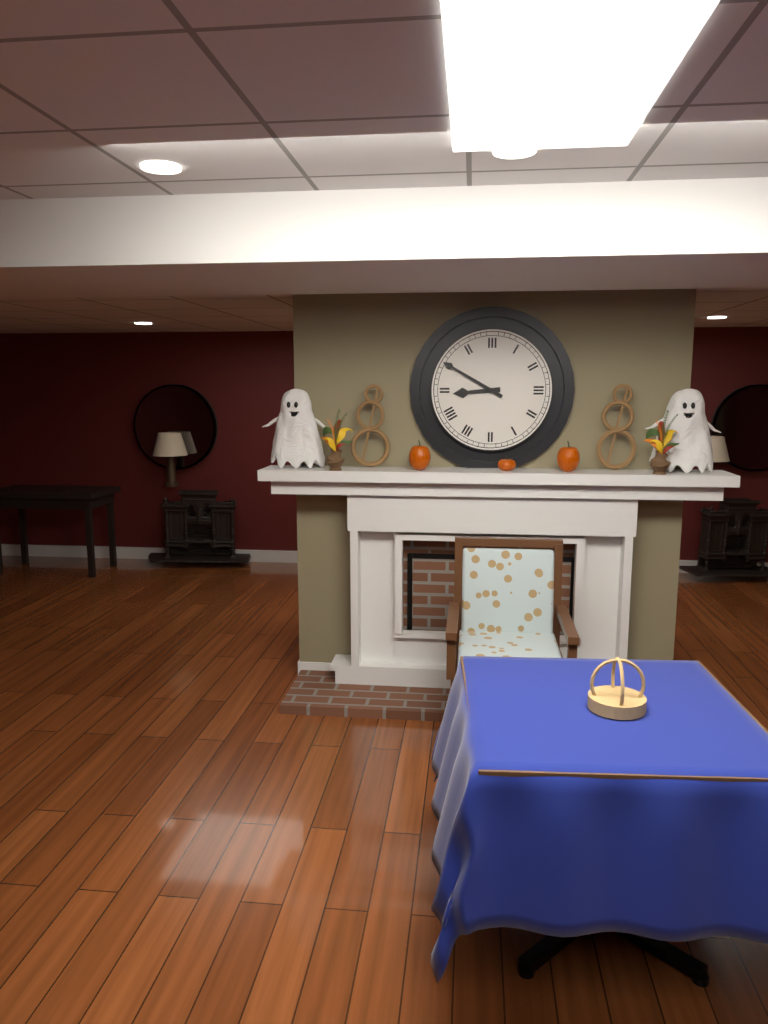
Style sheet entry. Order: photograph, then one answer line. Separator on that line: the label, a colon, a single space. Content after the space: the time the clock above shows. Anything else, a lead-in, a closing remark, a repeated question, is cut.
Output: 8:50
